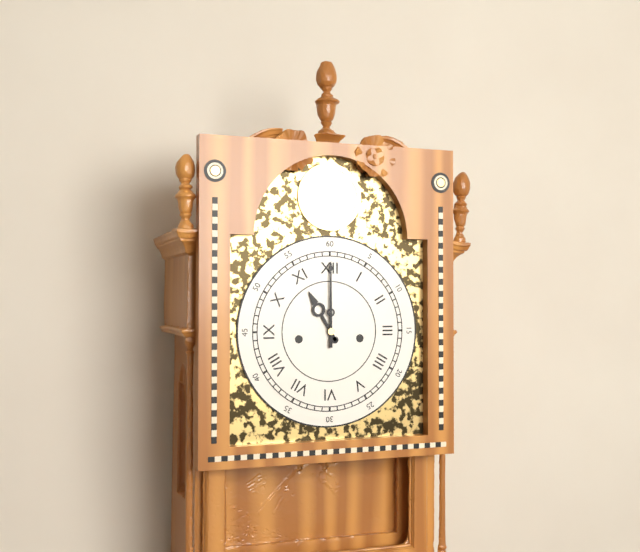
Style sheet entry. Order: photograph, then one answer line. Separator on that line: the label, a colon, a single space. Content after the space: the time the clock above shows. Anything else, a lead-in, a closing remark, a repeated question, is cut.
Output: 11:00
